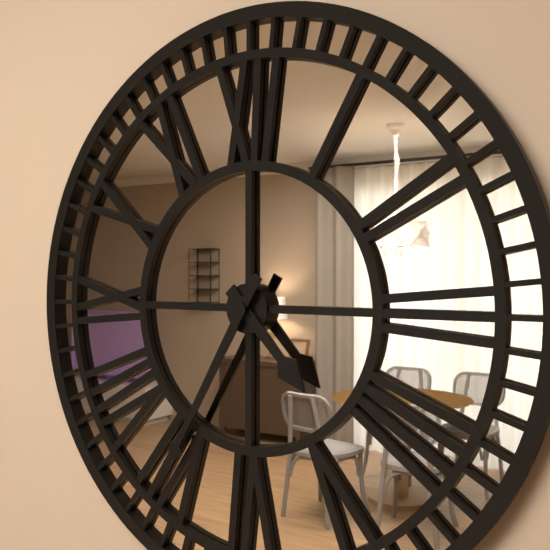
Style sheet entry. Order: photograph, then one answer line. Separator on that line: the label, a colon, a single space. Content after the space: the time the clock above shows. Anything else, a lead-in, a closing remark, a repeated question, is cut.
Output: 4:35
